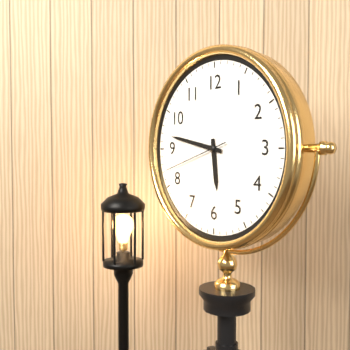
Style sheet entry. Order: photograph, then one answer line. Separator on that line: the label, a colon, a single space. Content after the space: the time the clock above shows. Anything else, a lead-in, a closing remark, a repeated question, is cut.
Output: 5:47:42
